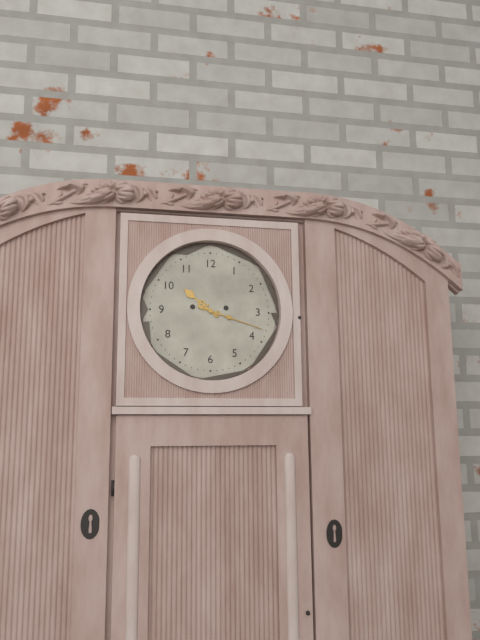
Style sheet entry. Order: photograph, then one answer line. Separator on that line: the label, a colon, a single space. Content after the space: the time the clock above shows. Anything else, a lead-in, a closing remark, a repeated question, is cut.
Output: 10:18
